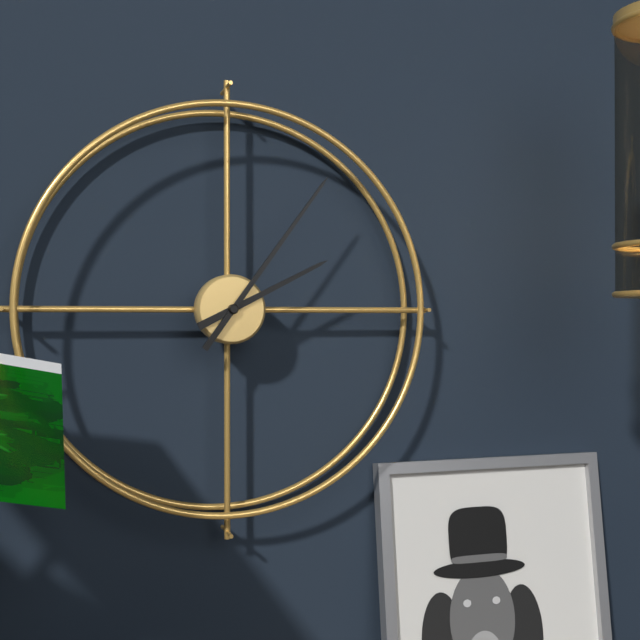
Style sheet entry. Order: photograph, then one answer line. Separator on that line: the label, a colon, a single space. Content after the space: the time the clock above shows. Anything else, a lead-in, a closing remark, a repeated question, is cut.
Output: 2:06
